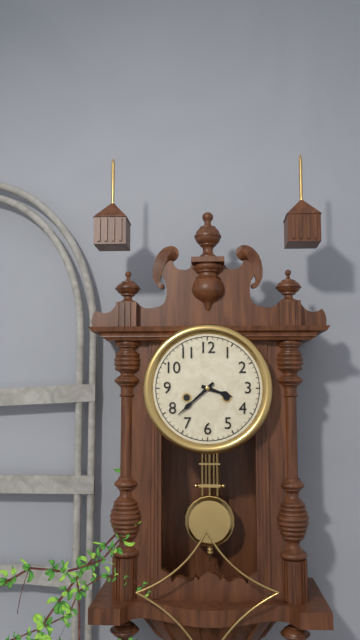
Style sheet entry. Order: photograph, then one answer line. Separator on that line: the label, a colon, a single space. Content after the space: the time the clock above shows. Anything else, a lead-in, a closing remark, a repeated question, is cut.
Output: 3:38
